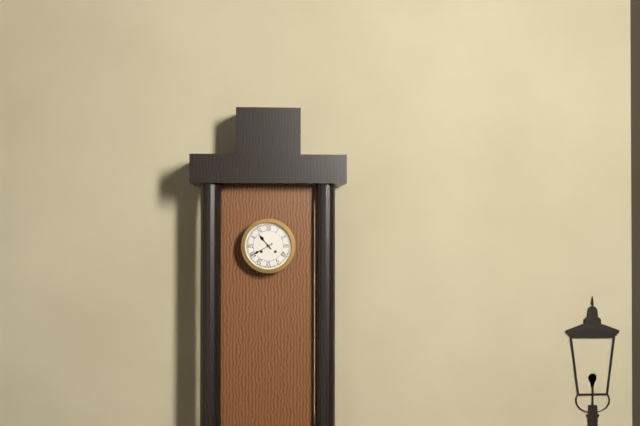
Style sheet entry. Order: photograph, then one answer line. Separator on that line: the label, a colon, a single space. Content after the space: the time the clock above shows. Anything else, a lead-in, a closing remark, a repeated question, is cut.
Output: 10:40
